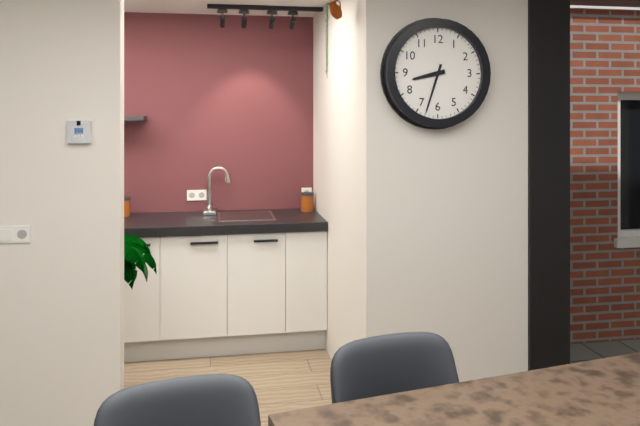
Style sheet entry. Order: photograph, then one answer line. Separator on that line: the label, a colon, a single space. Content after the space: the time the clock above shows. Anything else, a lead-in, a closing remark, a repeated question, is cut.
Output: 8:33
